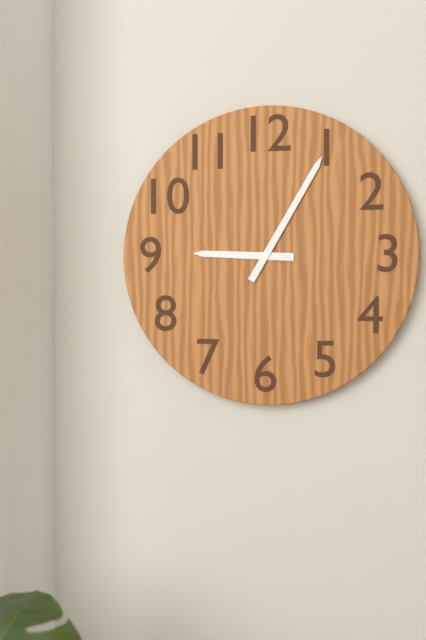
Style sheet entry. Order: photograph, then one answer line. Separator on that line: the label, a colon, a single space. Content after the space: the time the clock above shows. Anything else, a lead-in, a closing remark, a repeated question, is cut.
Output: 9:05
